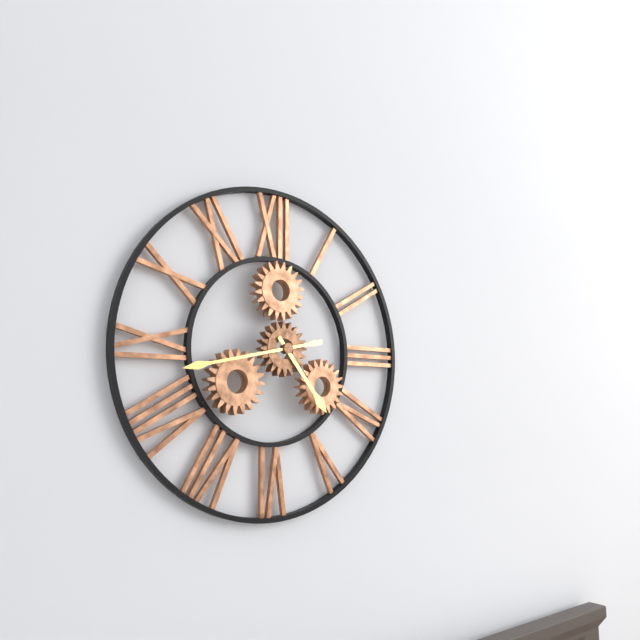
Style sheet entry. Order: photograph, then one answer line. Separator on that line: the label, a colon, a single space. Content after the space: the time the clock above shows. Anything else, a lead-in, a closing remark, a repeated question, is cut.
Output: 4:43
